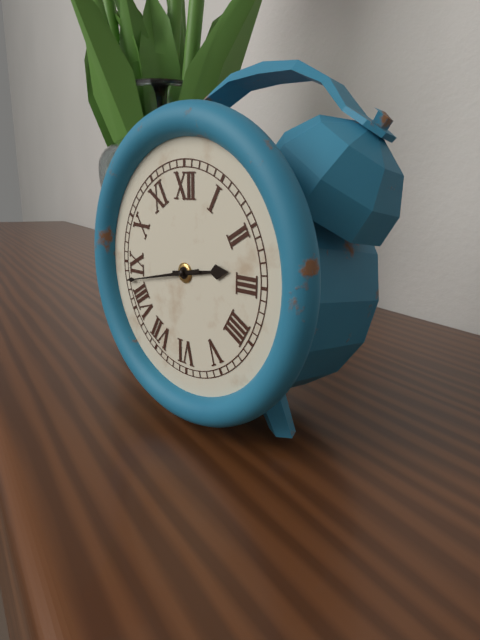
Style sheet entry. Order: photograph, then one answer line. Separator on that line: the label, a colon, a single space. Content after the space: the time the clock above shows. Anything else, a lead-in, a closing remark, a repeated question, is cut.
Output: 2:43
